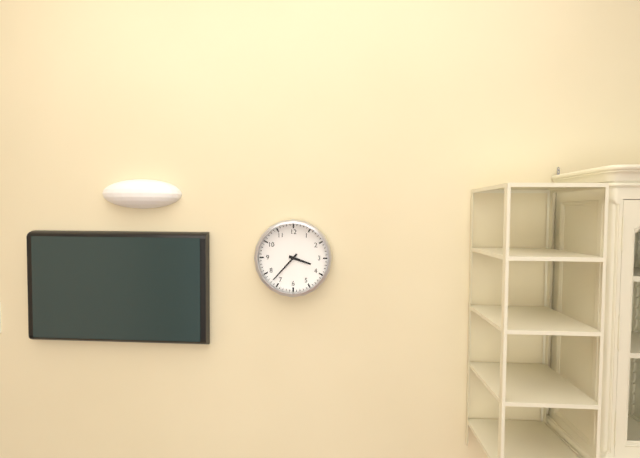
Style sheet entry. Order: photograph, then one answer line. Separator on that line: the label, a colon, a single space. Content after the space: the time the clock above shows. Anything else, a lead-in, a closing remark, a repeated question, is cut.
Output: 3:37
